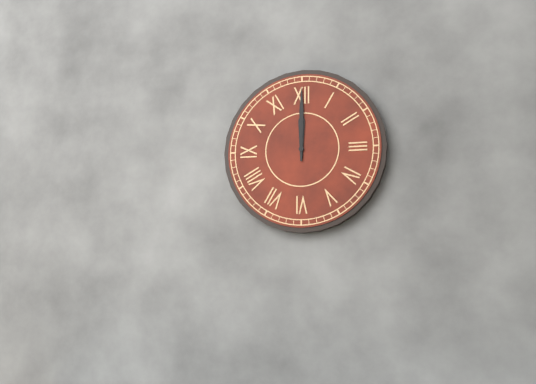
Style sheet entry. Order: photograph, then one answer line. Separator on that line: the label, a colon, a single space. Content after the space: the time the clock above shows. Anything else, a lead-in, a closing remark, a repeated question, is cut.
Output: 12:00
